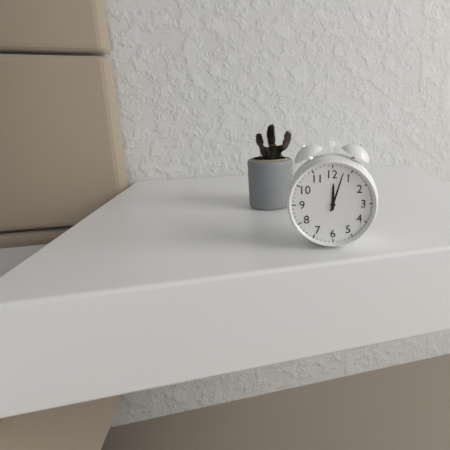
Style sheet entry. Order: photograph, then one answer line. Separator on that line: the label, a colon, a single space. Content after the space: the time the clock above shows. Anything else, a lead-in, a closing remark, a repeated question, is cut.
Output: 12:03
